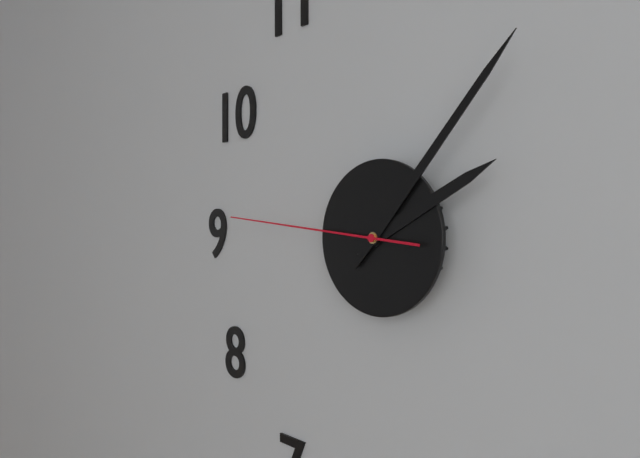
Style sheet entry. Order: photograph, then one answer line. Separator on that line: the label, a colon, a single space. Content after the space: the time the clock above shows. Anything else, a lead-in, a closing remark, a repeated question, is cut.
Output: 2:07:46
